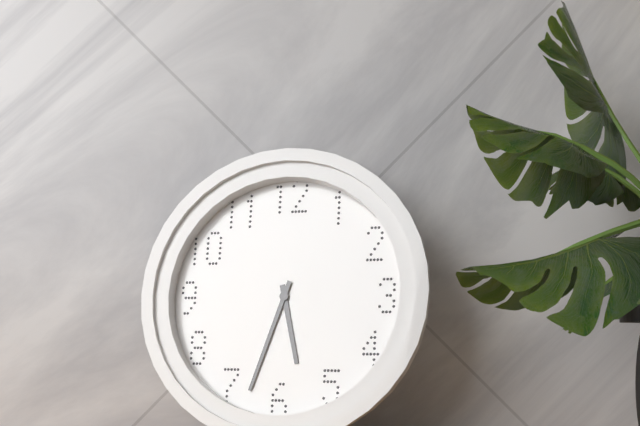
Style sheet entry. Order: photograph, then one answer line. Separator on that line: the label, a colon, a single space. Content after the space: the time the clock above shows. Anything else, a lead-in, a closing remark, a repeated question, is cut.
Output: 5:33
